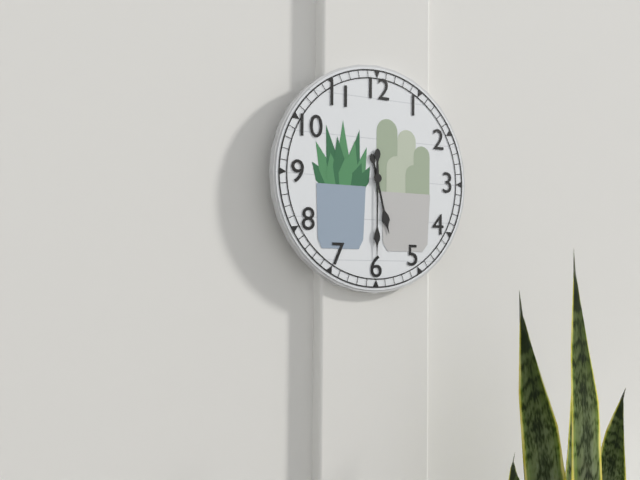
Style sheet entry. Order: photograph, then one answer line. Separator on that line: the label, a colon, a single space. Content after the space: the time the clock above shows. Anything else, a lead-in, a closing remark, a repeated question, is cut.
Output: 5:30
